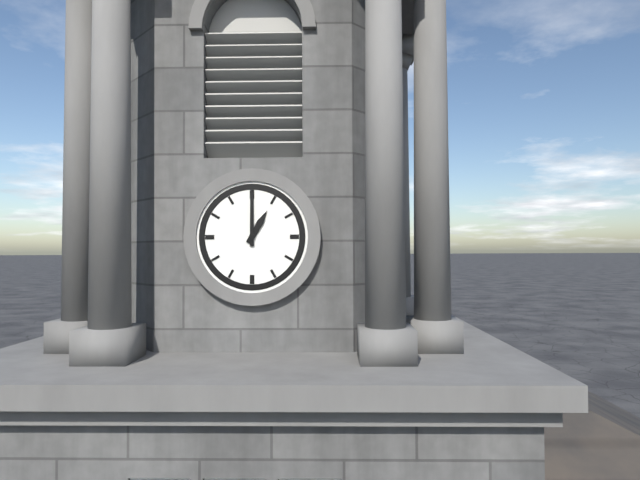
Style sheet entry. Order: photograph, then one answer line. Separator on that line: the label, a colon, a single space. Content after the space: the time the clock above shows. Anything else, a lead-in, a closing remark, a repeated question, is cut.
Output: 1:00
